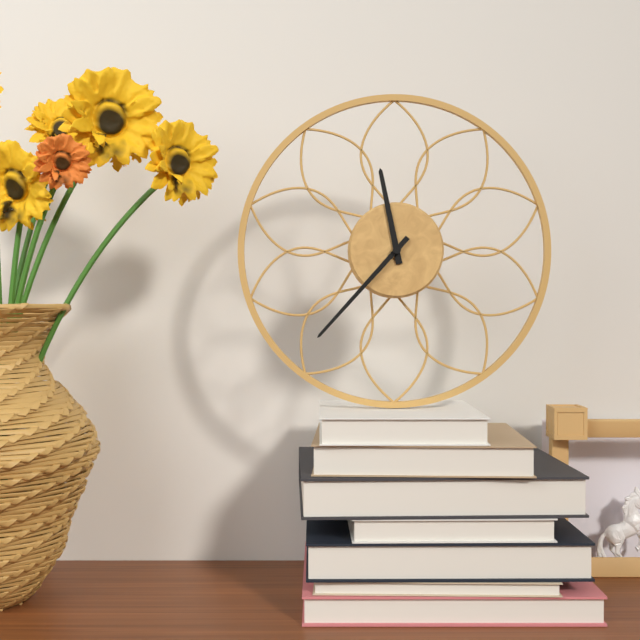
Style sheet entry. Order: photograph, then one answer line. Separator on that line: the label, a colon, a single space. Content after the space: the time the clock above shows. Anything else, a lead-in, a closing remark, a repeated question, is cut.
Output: 11:37
